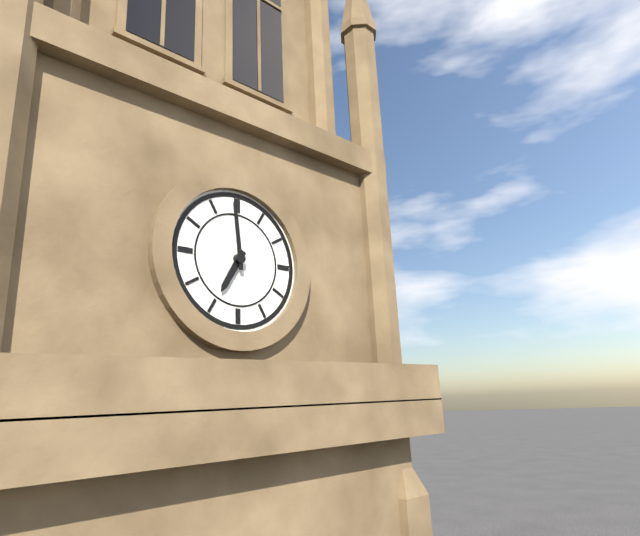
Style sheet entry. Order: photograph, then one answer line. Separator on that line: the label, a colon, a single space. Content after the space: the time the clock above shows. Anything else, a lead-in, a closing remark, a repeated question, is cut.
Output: 6:59
